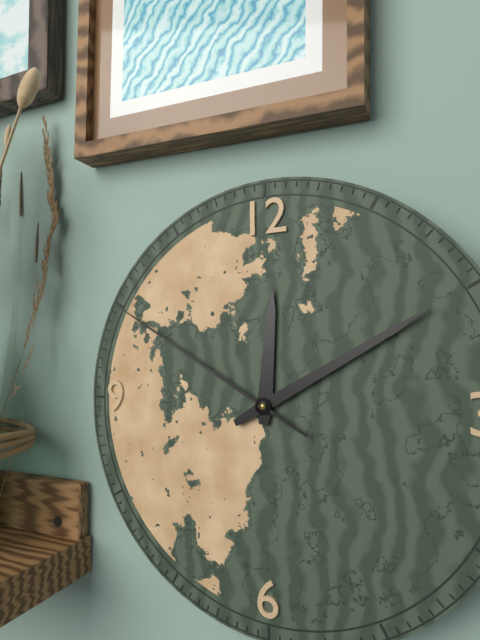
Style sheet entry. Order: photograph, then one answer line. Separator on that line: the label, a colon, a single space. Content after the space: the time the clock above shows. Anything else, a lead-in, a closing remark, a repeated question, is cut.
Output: 12:10:50
